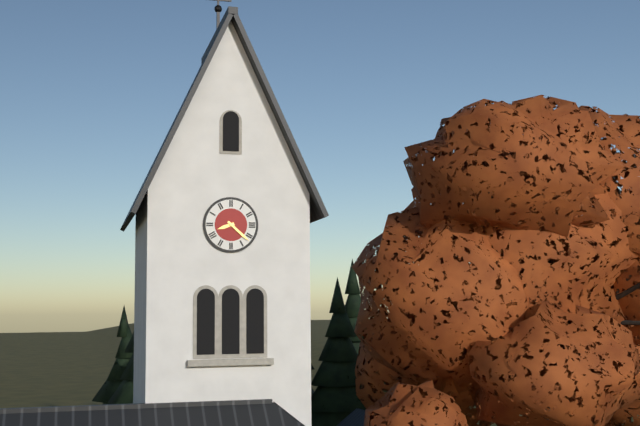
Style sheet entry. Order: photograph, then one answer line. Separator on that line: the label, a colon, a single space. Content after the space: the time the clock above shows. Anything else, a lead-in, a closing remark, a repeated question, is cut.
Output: 8:22
